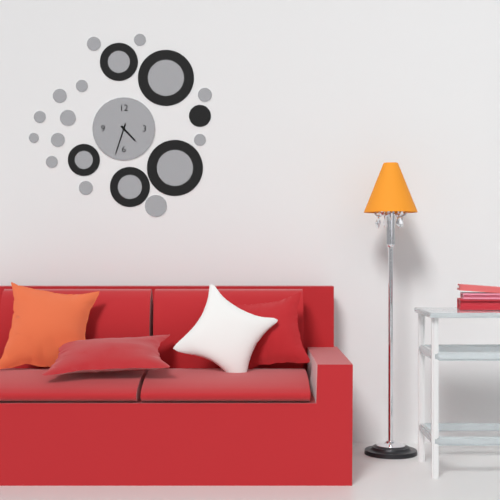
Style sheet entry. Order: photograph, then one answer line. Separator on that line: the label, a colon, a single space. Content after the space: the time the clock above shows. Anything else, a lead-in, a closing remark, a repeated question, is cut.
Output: 4:33
